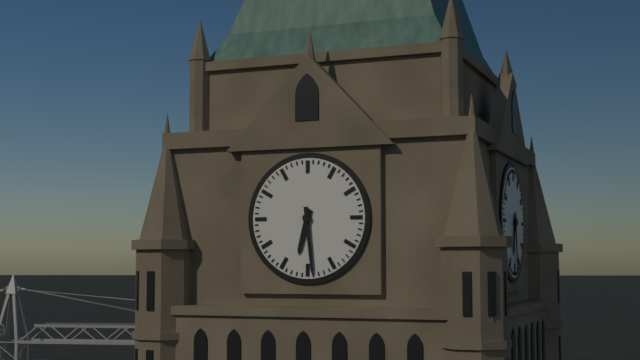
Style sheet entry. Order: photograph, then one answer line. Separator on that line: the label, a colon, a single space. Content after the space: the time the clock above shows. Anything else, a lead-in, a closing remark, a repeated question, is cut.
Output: 6:29
